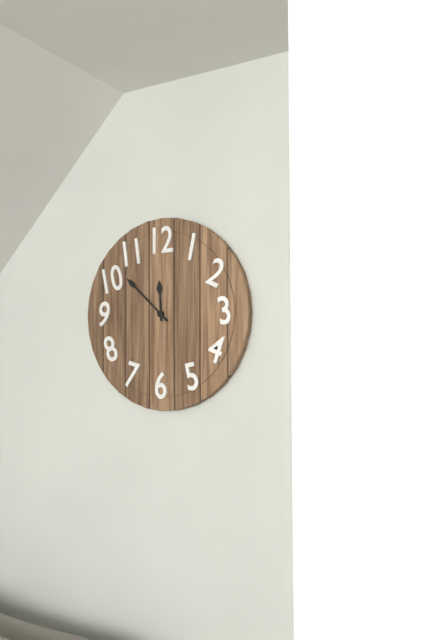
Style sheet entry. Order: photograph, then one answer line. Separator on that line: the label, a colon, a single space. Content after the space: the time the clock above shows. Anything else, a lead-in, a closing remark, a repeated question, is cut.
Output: 11:52
